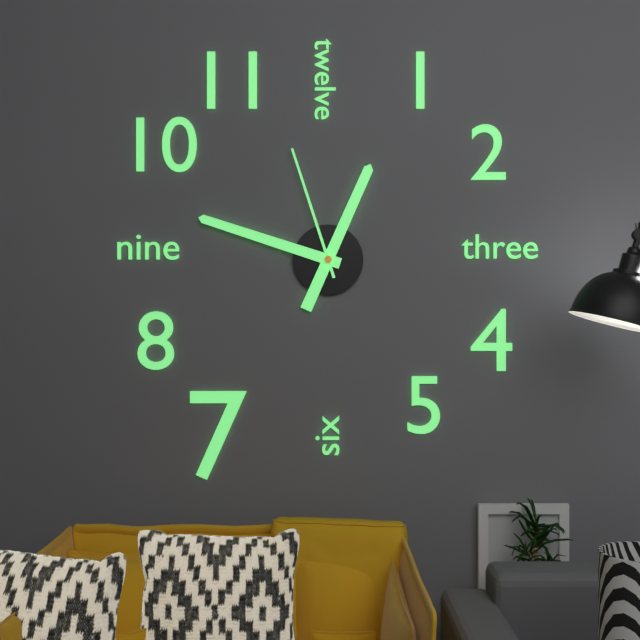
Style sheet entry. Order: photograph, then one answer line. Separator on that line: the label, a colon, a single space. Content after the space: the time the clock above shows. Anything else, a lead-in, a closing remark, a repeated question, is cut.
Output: 12:48:57
